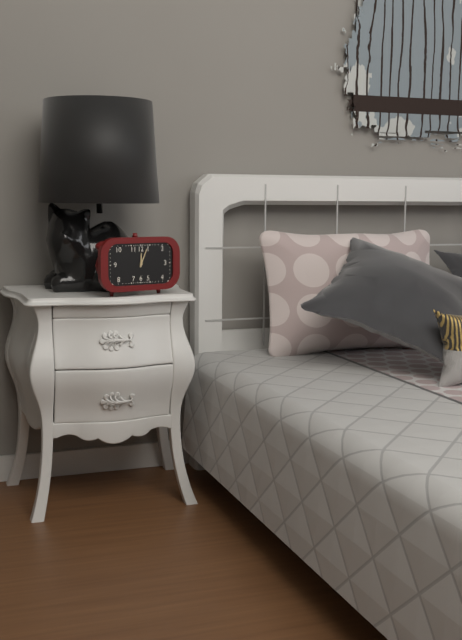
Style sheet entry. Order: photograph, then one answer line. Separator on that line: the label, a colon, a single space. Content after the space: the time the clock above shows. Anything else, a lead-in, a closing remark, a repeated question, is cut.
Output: 12:04
